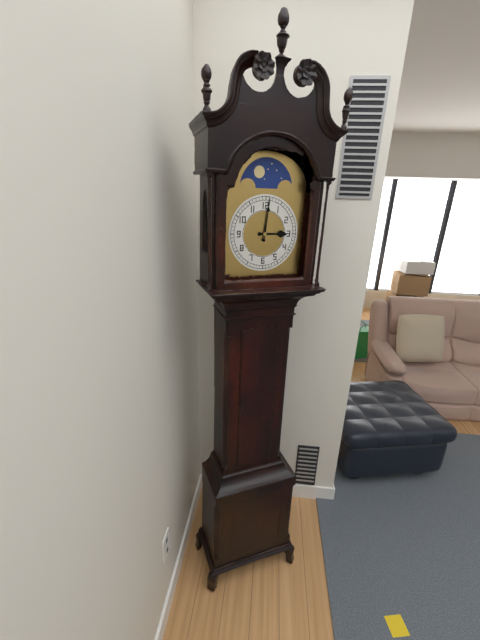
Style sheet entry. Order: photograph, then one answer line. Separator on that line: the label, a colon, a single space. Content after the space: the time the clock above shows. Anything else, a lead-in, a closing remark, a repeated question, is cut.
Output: 3:01
